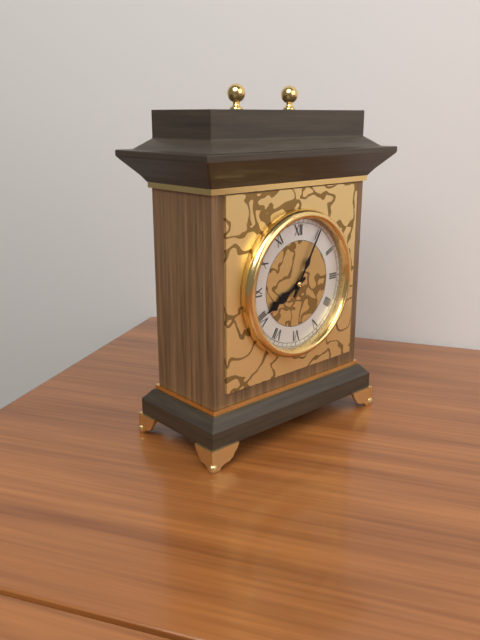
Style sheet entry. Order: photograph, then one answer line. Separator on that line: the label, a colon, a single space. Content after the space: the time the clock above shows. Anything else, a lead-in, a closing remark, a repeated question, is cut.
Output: 8:05
